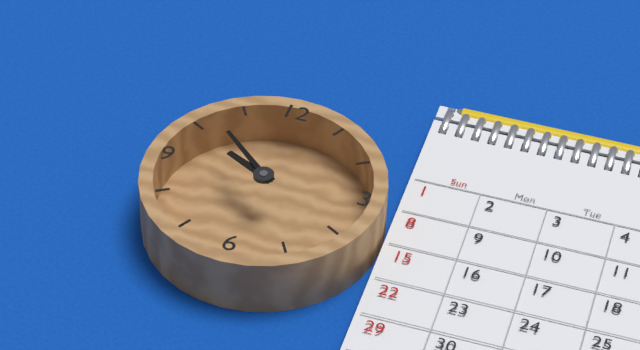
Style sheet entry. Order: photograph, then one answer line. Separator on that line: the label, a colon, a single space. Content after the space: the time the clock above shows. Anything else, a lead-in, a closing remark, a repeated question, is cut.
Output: 9:52
